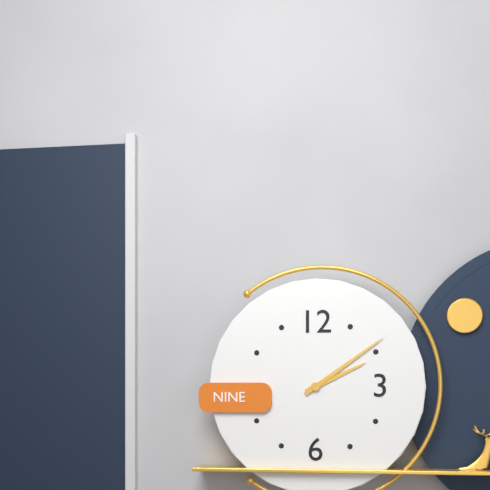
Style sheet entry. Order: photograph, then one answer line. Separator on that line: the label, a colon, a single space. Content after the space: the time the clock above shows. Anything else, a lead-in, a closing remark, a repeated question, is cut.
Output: 2:09
